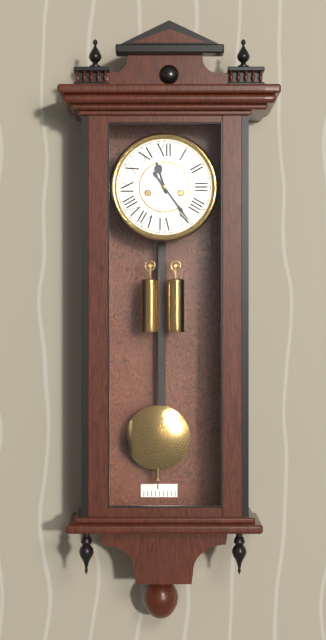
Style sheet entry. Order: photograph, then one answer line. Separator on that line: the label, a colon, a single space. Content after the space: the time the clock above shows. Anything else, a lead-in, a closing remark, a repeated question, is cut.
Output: 11:24
